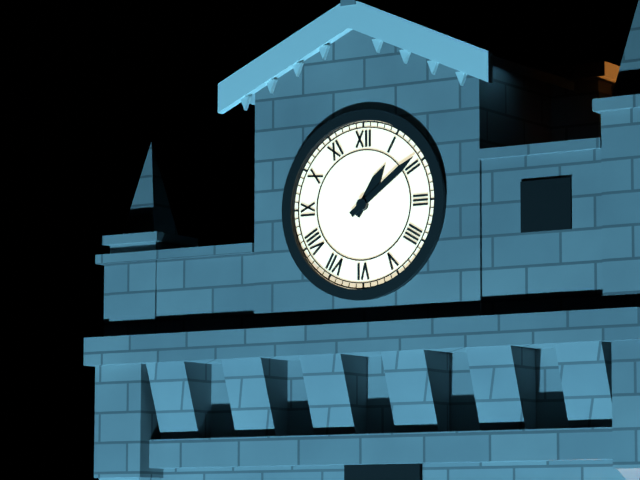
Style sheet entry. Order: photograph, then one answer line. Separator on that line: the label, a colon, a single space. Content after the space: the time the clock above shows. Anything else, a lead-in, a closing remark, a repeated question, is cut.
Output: 1:09
